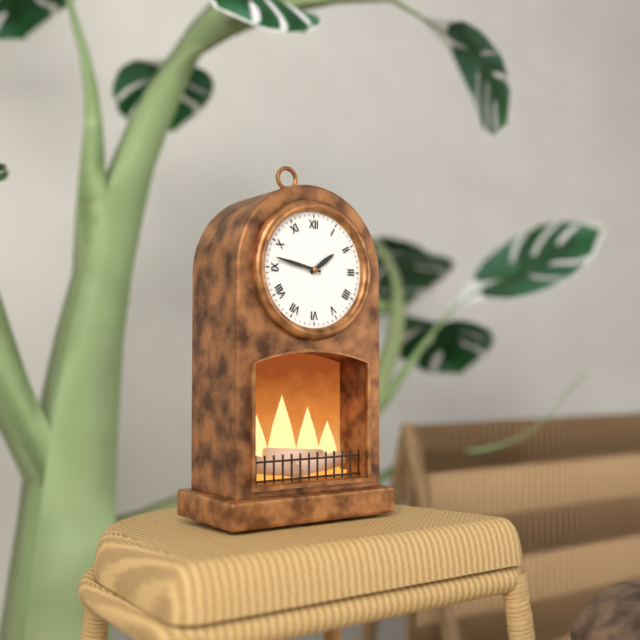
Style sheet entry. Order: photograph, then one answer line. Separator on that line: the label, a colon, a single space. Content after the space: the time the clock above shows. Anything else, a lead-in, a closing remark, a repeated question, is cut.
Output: 1:47
